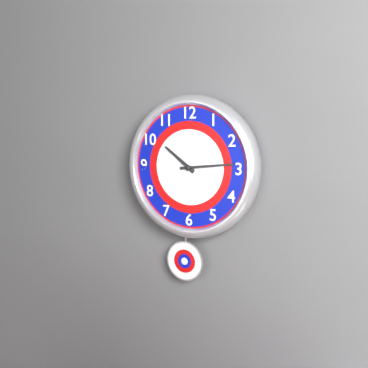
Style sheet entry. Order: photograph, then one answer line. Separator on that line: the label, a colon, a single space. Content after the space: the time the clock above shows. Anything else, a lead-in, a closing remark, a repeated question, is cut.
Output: 10:14
